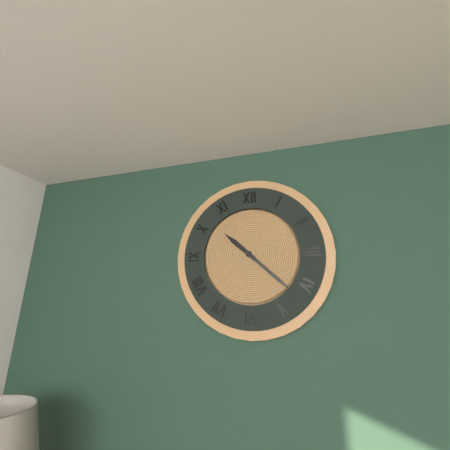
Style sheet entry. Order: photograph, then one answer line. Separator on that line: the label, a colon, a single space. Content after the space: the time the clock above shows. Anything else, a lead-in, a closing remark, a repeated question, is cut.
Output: 10:22
